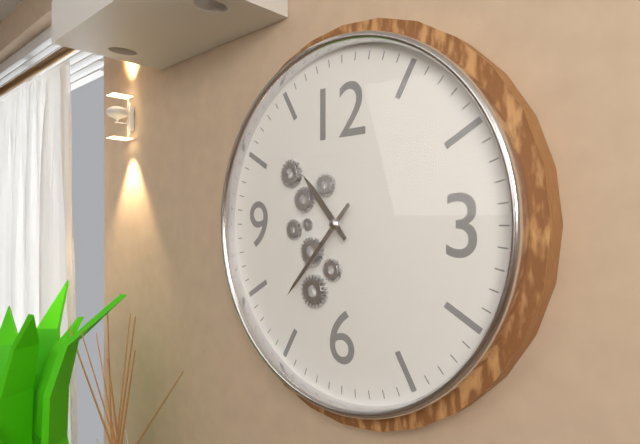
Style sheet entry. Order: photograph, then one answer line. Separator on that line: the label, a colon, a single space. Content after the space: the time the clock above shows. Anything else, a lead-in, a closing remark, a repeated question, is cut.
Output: 10:37
